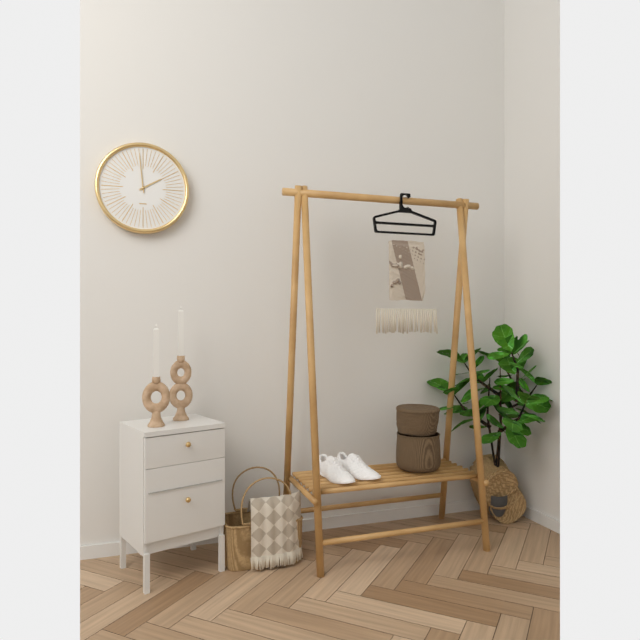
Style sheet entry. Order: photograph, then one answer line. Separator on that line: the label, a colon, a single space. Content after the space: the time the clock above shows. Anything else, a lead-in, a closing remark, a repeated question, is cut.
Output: 1:59
